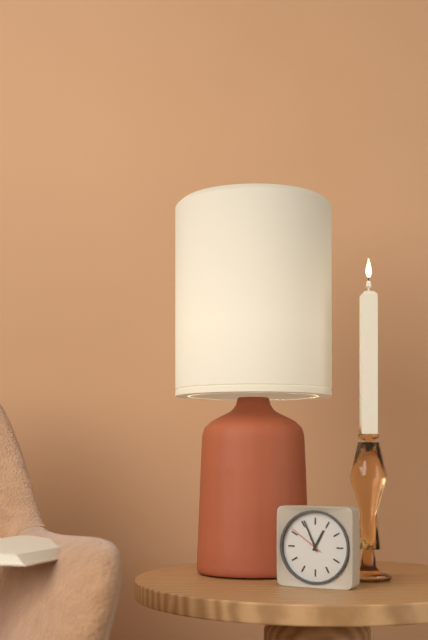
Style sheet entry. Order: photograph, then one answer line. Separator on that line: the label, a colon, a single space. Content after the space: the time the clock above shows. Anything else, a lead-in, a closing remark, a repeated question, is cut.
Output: 12:56
